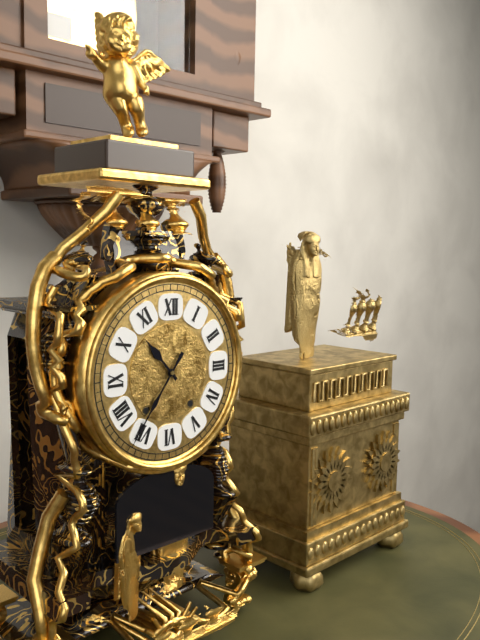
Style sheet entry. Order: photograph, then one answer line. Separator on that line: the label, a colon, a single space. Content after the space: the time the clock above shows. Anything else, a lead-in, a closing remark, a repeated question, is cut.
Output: 10:36
